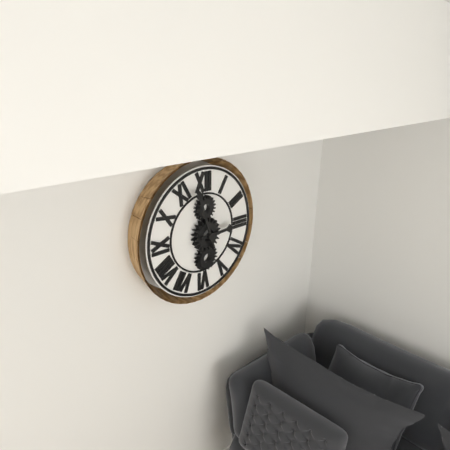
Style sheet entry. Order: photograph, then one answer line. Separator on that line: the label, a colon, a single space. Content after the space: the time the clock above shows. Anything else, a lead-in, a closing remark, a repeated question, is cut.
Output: 2:57
